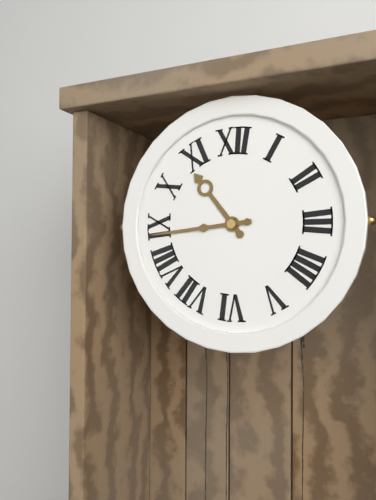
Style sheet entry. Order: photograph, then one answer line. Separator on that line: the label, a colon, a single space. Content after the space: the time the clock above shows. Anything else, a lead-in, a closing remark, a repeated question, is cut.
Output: 10:44
